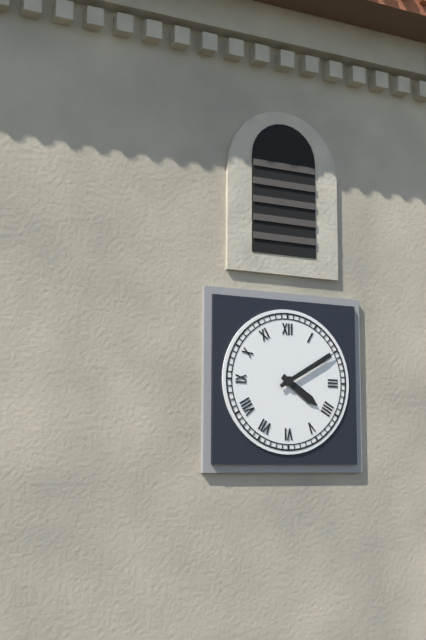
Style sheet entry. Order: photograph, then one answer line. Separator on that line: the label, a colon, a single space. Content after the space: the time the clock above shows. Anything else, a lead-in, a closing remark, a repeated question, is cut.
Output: 4:10
